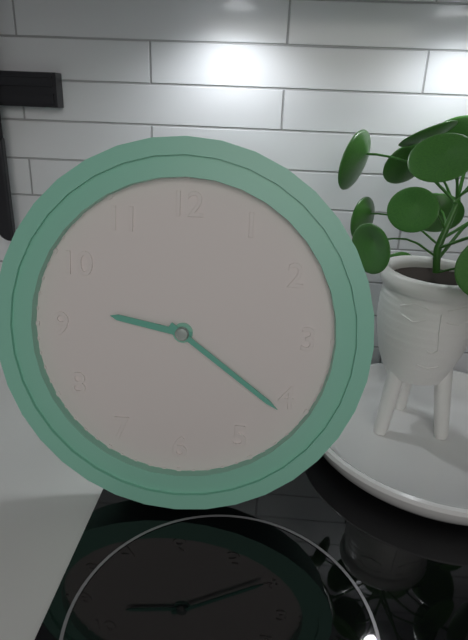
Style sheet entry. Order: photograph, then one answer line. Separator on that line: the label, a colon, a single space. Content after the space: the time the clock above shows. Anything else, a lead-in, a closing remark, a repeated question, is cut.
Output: 9:21
